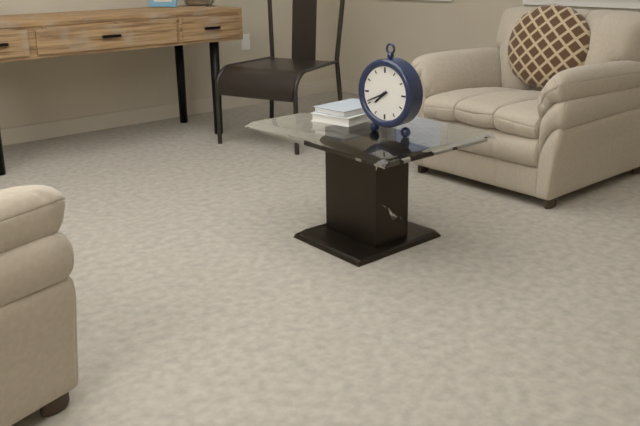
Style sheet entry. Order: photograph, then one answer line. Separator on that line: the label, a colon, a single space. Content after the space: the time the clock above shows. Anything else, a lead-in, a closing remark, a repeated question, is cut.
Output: 7:41
